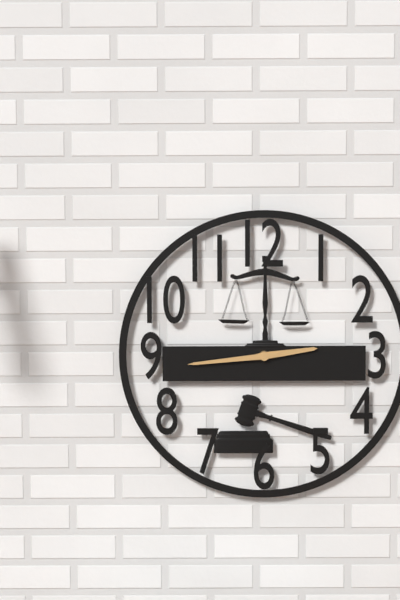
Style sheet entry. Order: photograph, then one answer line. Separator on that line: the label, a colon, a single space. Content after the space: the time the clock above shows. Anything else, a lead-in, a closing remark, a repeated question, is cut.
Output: 2:44
